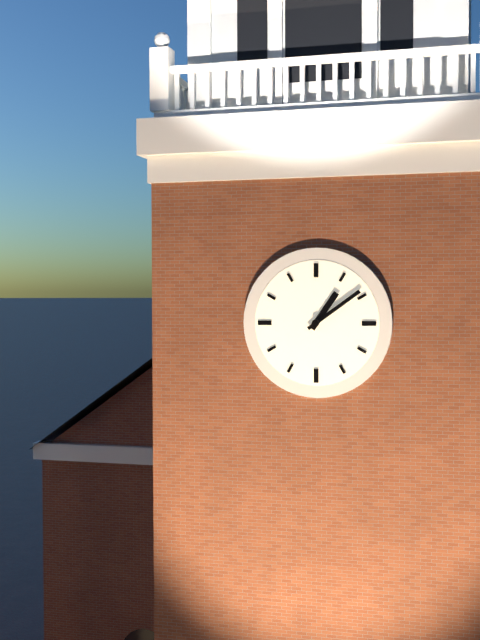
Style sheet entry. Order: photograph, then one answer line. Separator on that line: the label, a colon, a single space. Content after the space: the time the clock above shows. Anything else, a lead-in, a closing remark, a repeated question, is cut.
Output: 1:09
